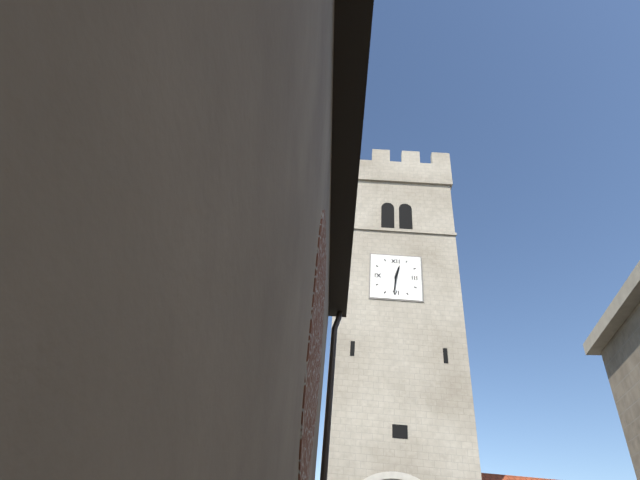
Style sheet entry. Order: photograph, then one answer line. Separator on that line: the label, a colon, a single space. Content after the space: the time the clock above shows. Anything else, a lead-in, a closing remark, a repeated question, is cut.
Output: 12:31
